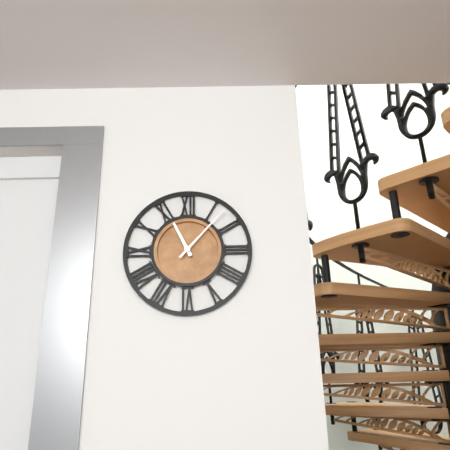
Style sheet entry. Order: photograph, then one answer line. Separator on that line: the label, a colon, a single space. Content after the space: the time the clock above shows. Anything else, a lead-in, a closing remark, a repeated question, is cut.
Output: 11:07
